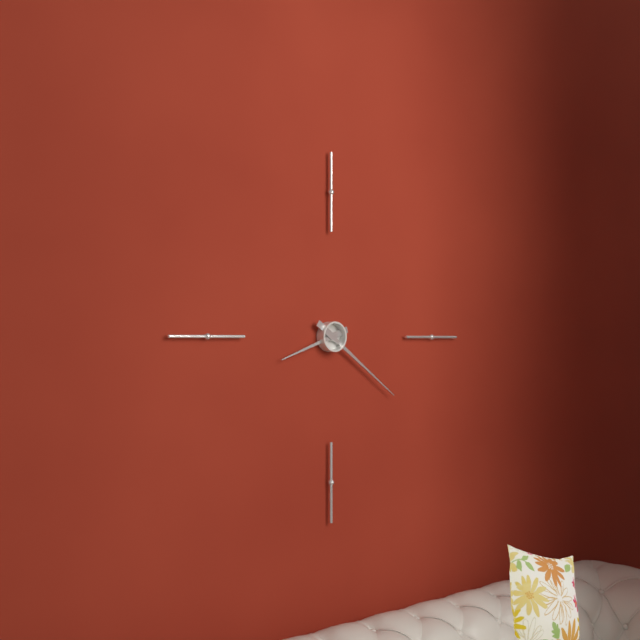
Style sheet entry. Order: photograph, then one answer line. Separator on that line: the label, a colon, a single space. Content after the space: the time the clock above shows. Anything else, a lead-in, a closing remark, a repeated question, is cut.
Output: 8:21
